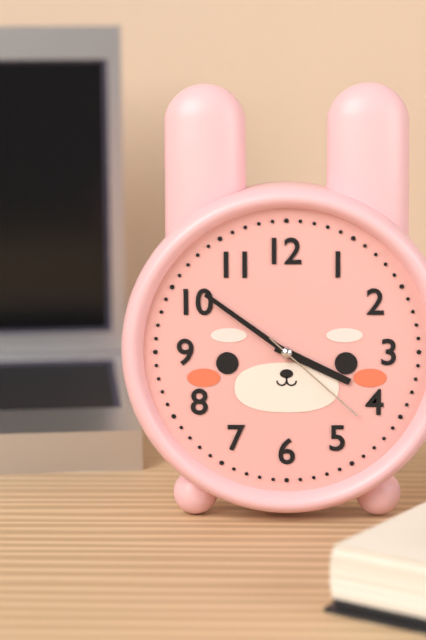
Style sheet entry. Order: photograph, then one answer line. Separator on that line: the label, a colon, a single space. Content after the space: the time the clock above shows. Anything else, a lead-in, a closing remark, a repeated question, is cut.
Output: 3:51:22
